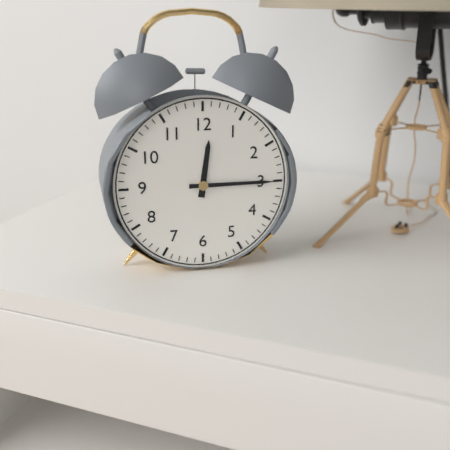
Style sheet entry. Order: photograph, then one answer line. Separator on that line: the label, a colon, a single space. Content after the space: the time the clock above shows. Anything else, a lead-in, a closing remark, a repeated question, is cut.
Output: 12:15
